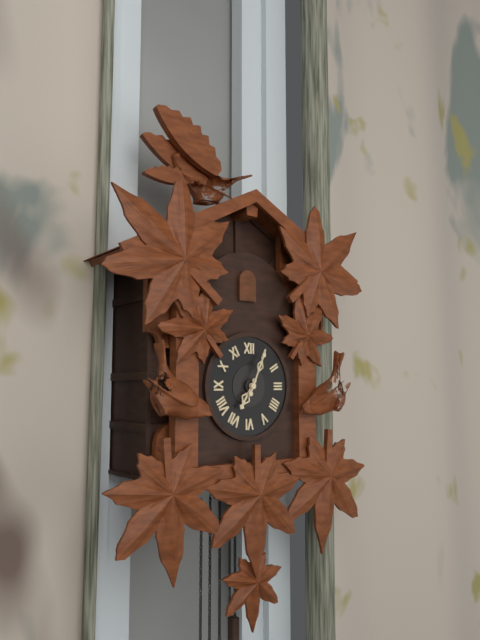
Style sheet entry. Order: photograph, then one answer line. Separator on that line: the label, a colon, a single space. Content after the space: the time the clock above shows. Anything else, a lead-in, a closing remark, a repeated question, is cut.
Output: 7:04
